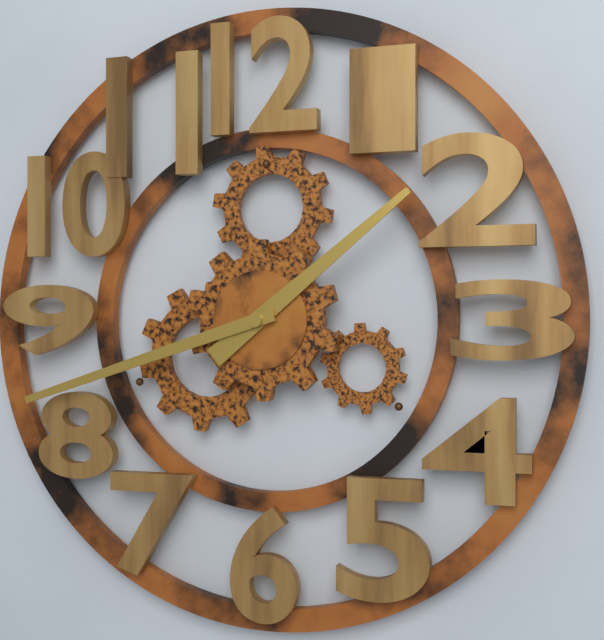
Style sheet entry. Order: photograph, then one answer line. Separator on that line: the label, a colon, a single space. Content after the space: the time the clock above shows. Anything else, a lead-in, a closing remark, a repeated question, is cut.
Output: 1:42
